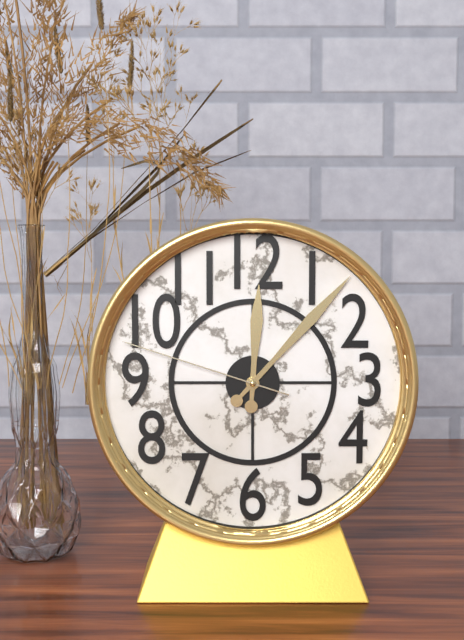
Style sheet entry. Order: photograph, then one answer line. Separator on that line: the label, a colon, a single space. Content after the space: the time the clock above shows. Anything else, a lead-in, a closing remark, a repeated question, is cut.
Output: 12:07:48
